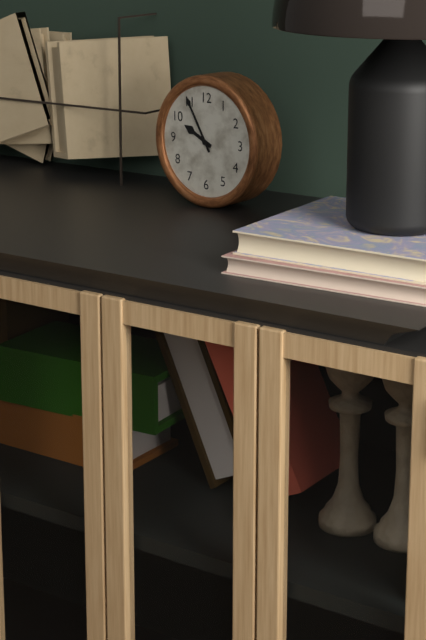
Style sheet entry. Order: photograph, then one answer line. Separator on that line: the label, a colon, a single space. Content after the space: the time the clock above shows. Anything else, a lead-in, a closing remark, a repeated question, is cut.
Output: 9:55
